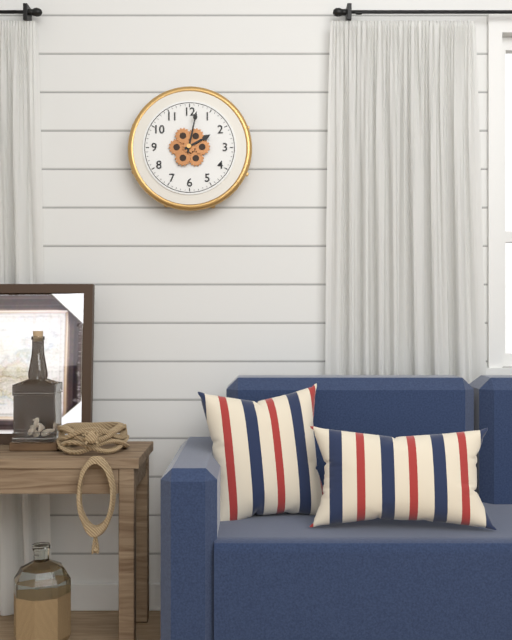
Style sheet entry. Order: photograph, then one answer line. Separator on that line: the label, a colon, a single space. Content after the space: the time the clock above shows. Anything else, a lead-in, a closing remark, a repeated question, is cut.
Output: 2:02
